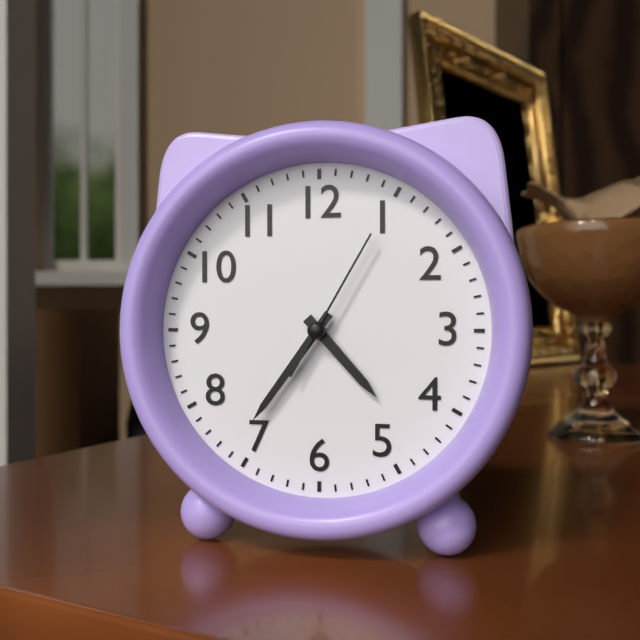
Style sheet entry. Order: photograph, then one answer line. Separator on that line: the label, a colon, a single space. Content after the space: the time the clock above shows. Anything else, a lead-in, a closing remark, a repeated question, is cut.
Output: 4:36:05
